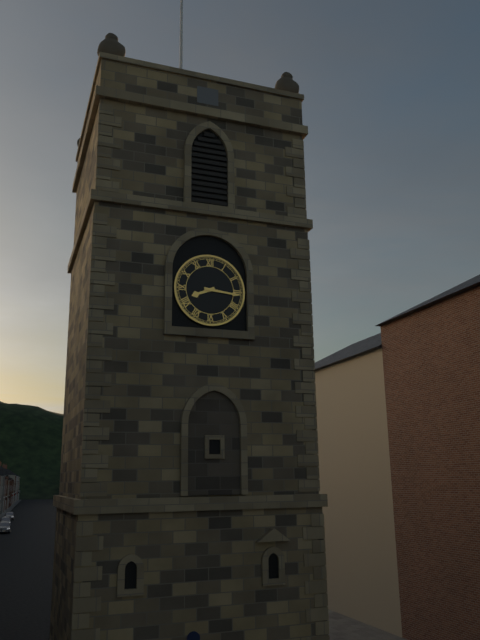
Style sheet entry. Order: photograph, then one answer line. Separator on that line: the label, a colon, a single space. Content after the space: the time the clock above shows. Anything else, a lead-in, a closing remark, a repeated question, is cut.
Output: 8:16
